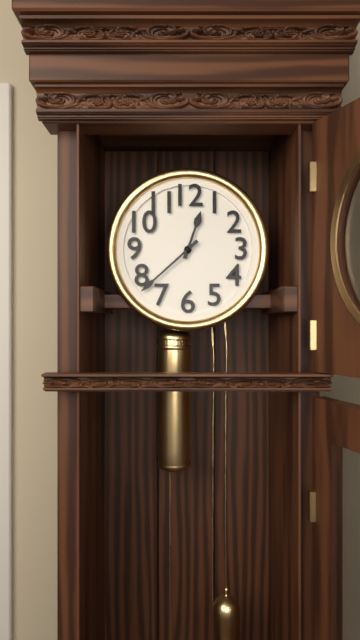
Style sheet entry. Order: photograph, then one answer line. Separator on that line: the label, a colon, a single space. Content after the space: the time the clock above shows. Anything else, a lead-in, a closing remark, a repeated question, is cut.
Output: 12:38
